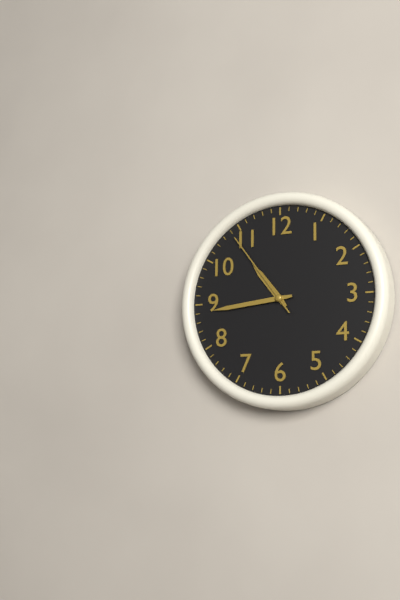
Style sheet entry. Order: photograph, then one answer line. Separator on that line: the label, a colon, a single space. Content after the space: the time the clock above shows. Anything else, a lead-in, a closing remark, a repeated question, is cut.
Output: 10:44:54
